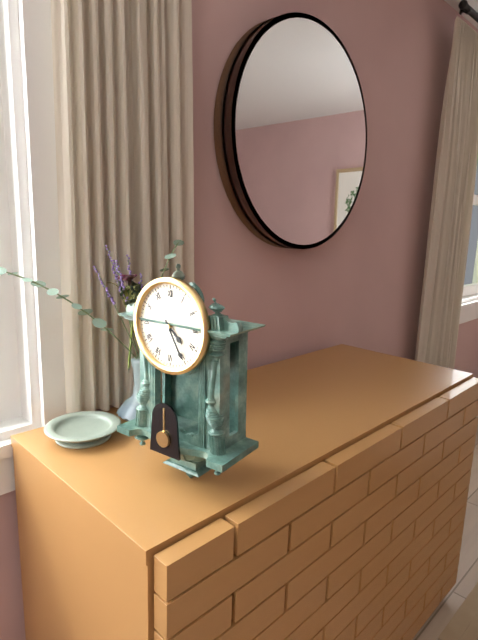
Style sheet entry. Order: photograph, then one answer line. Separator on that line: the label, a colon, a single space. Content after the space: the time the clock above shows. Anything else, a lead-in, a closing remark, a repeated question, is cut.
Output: 4:25
